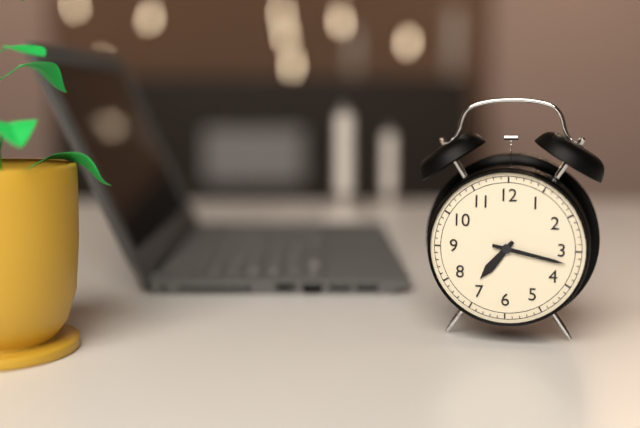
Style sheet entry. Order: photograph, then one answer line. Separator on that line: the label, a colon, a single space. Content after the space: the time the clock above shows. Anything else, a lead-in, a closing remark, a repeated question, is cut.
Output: 7:17
